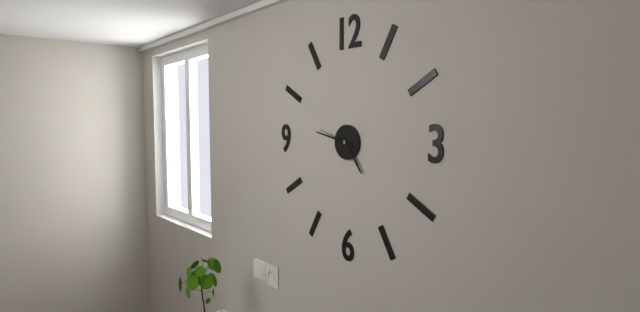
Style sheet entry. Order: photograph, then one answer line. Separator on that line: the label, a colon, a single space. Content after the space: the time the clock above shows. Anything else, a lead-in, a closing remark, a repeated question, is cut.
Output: 4:47
